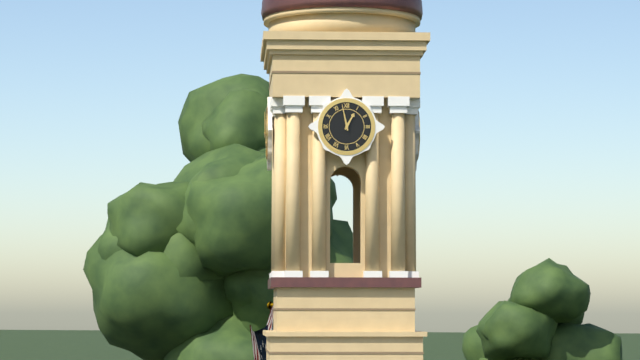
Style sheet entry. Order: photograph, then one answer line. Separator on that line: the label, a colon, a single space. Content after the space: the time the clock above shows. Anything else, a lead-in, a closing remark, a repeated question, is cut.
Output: 12:58
